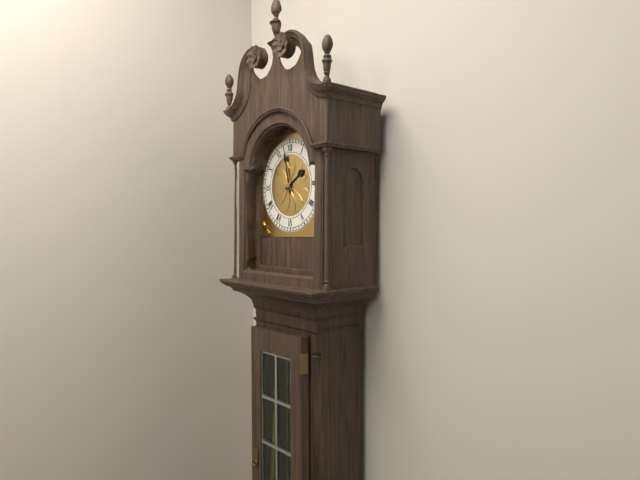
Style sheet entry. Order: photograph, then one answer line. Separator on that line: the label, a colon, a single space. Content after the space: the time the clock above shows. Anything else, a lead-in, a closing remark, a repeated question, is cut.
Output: 1:58
